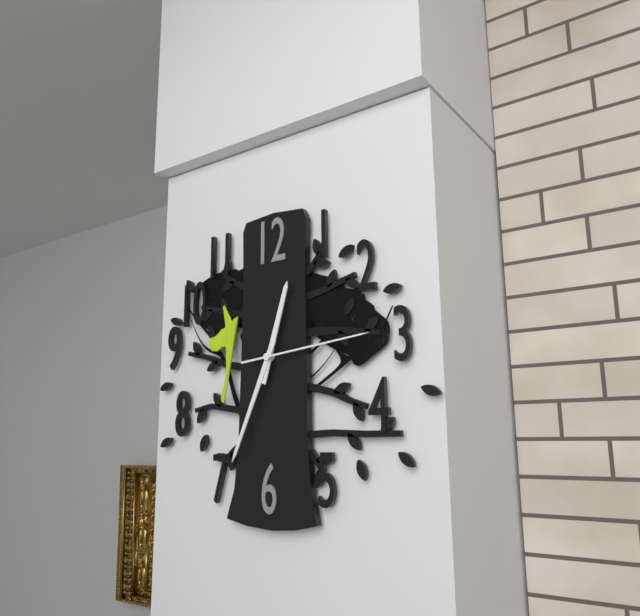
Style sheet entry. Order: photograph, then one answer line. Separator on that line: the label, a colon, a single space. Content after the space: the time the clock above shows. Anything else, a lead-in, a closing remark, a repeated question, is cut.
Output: 12:34:14
